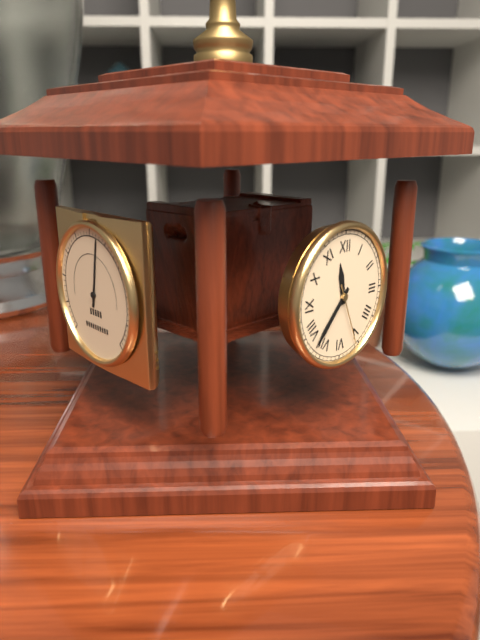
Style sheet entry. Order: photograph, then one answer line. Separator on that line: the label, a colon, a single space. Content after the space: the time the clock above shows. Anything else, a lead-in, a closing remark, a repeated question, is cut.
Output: 11:37:26
